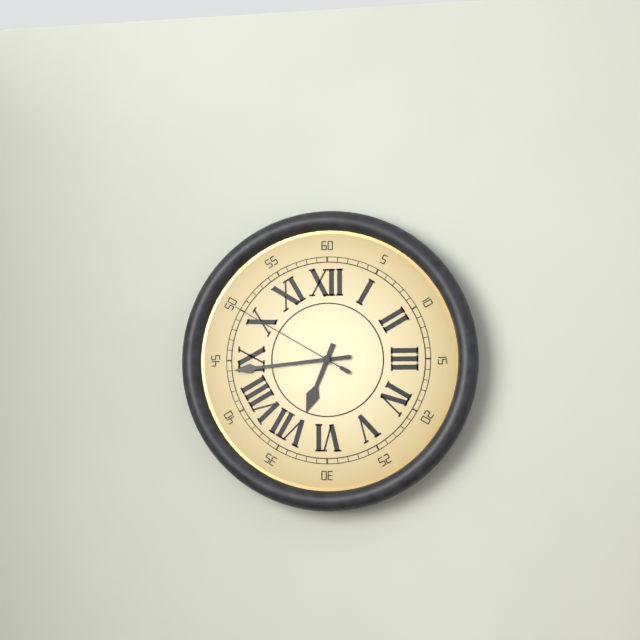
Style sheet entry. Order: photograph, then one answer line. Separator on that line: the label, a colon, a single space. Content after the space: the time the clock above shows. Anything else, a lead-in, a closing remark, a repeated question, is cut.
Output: 6:44:50
